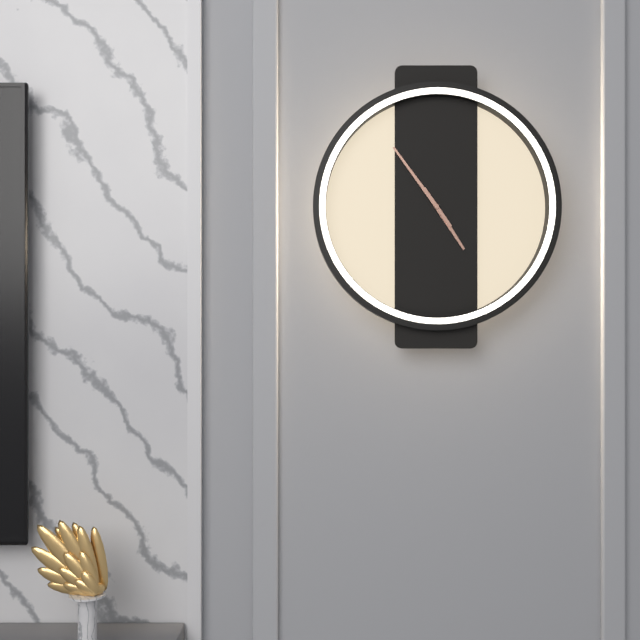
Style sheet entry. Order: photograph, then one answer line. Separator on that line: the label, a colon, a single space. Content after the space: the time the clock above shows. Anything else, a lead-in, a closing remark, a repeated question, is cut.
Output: 4:54
